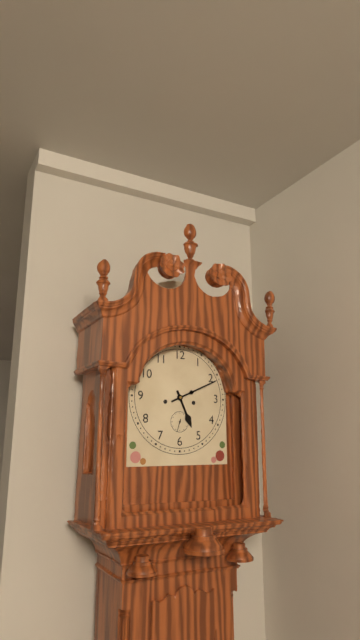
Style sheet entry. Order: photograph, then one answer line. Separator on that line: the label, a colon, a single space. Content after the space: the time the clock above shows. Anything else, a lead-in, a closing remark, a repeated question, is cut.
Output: 5:11
